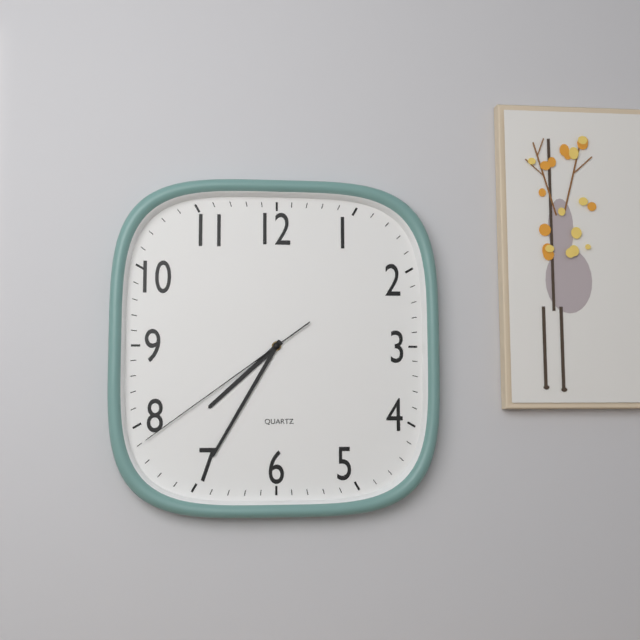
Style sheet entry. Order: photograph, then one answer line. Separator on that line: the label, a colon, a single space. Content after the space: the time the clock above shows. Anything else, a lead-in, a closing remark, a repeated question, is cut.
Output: 7:35:39
